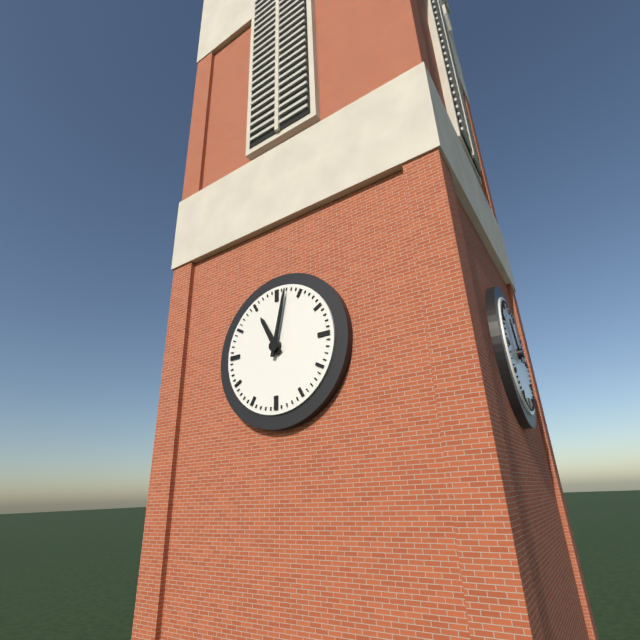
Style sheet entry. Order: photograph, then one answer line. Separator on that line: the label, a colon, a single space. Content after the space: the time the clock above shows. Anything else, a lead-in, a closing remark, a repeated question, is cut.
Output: 11:02
